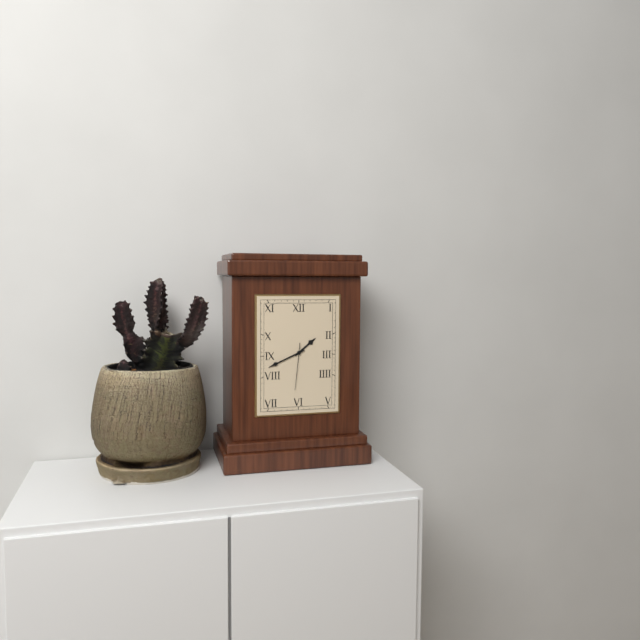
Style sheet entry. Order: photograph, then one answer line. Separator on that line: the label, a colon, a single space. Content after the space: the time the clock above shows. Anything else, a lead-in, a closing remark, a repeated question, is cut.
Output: 1:41:31
